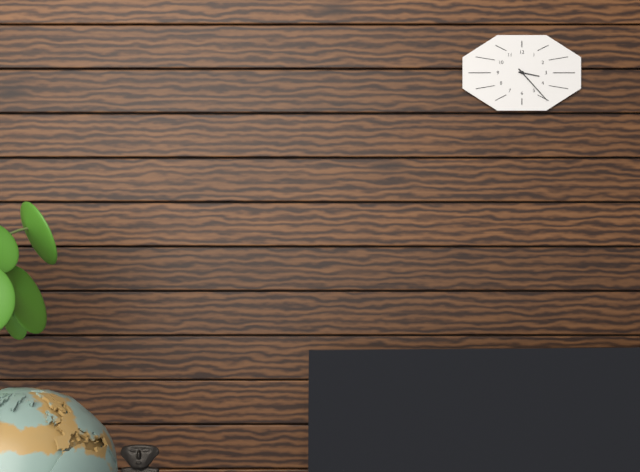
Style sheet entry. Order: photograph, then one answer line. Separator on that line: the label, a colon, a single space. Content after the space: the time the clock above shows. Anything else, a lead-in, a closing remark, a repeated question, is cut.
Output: 3:23
